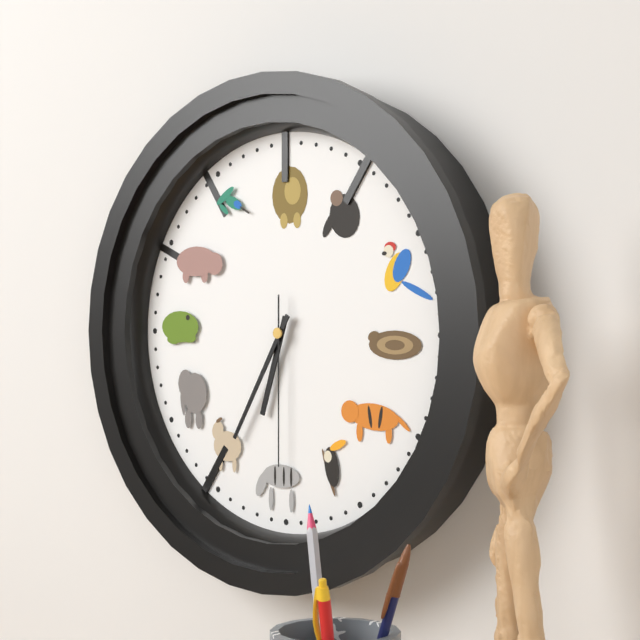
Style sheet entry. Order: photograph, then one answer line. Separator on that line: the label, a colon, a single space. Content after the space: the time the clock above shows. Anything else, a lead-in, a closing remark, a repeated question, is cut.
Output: 6:35:30
